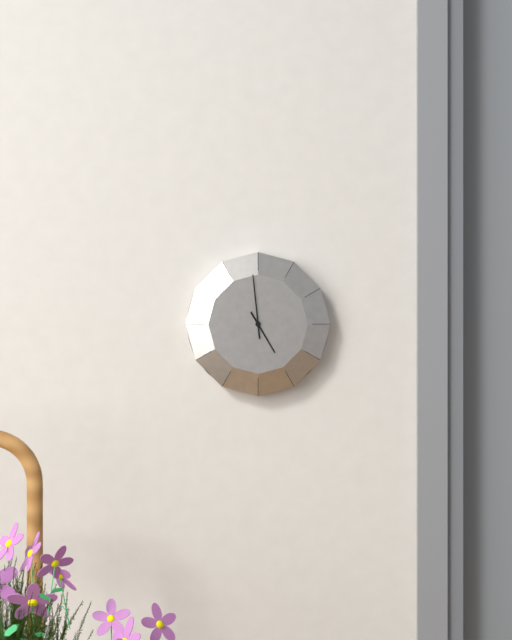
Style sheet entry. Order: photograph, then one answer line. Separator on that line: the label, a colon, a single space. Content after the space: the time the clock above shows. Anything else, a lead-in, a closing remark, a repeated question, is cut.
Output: 4:59
